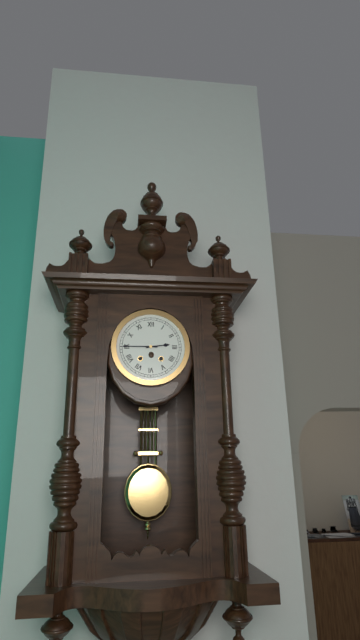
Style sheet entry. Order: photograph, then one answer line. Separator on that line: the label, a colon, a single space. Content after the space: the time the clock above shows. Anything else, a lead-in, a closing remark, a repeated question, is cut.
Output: 2:45
